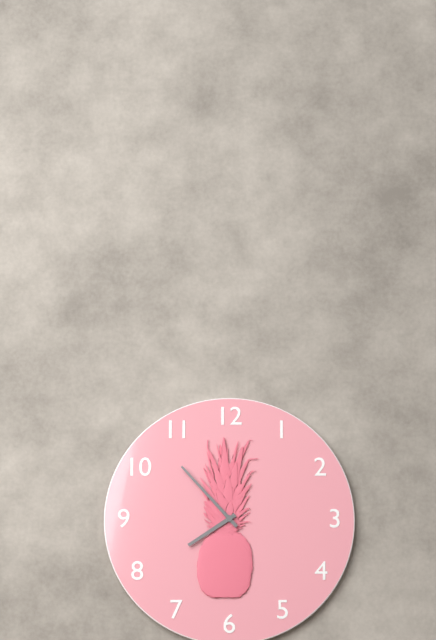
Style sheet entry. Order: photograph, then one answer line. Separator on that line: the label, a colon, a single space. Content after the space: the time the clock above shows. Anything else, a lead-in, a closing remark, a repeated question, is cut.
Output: 7:53
